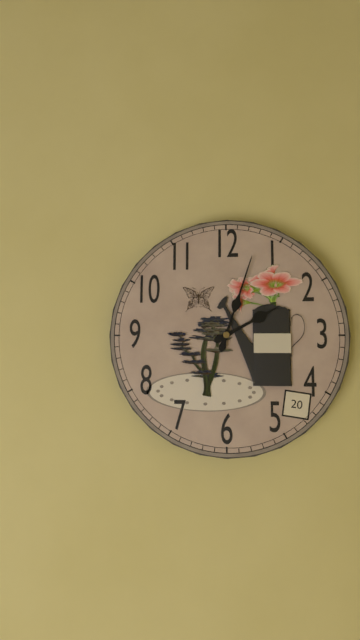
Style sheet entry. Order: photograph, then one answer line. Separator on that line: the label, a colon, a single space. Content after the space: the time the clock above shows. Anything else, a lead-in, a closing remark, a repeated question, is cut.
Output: 2:03
